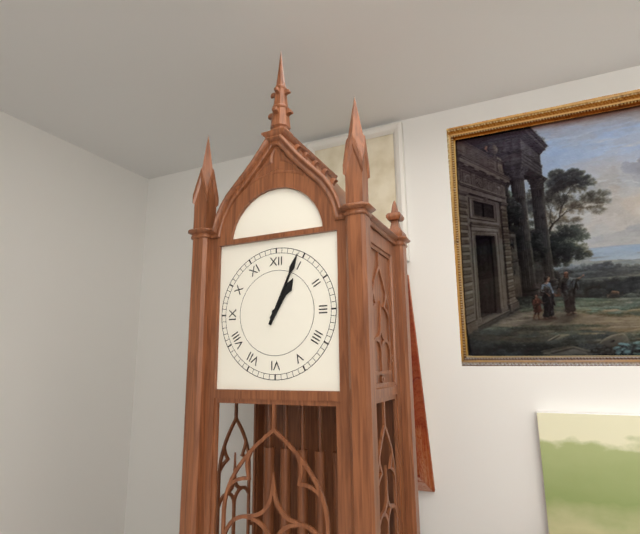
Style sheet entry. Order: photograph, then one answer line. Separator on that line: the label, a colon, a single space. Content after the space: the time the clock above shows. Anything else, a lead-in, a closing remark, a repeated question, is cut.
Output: 1:04
